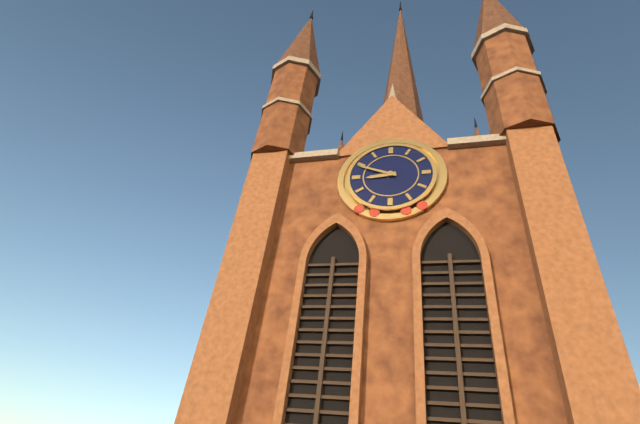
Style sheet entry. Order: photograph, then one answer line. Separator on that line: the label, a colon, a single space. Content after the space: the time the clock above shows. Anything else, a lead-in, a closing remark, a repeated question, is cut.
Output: 8:49
